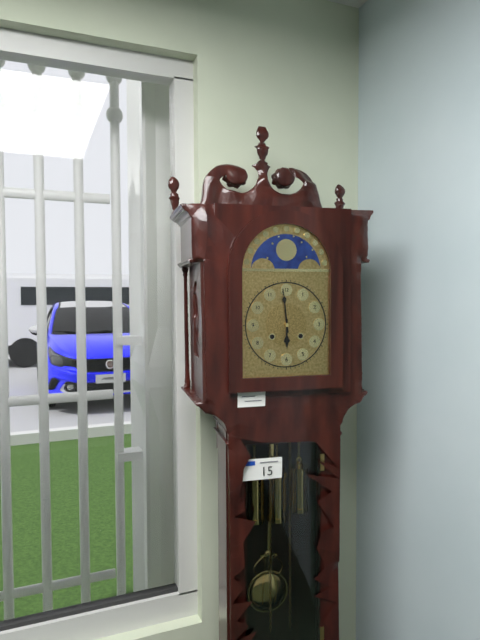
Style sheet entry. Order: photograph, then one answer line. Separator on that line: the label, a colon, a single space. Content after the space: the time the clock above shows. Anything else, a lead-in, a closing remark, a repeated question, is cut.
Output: 5:59
